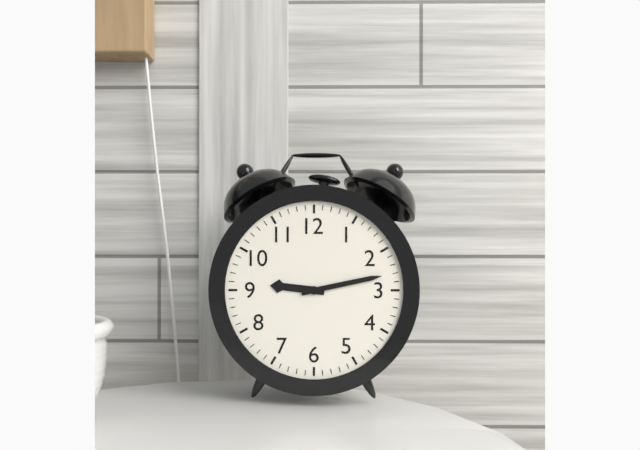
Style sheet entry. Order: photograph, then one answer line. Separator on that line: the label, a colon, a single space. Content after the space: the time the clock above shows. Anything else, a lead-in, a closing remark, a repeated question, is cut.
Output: 9:13
